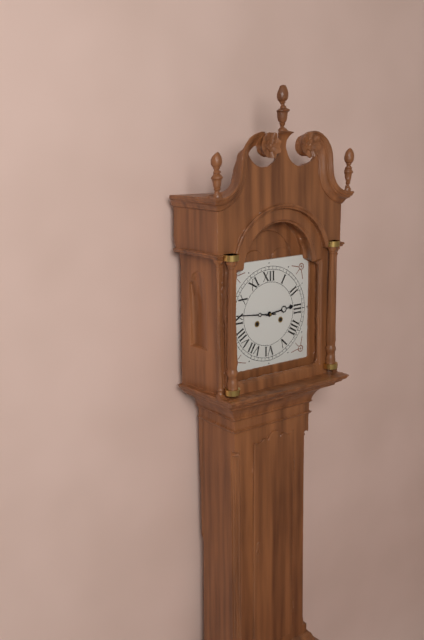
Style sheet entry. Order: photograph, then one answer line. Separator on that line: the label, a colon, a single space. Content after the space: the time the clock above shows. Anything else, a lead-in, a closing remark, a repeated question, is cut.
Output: 2:46
